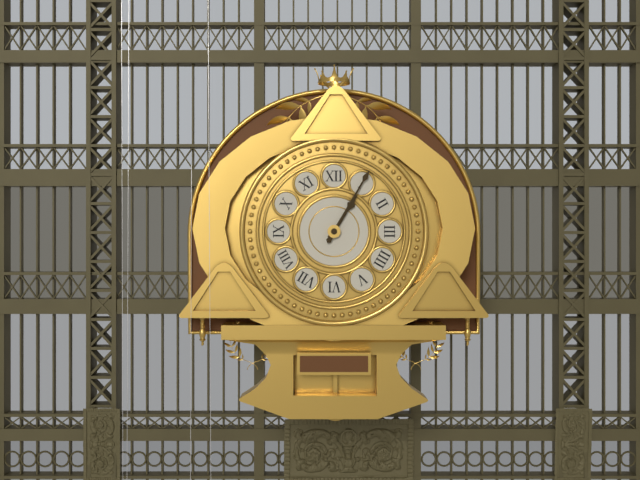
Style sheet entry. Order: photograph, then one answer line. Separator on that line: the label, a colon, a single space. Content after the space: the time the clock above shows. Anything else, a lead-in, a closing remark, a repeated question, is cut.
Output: 1:05
